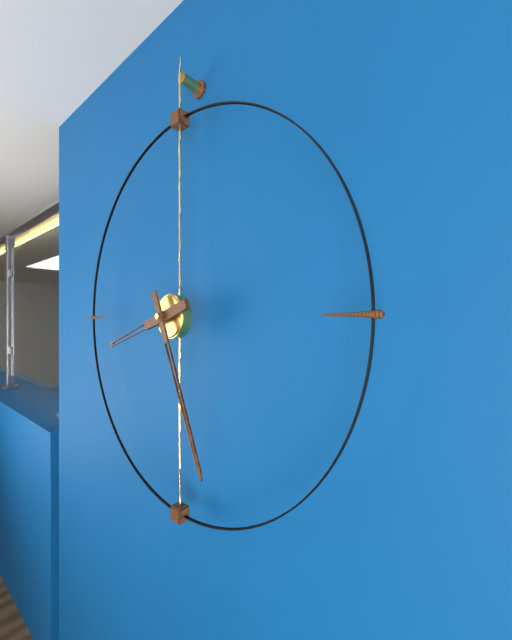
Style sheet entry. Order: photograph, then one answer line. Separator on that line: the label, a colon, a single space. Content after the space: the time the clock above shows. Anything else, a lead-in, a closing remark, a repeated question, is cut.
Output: 8:26
